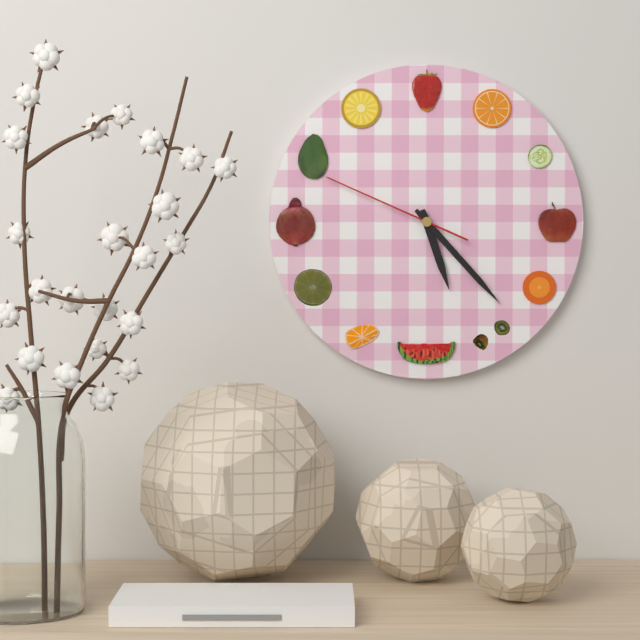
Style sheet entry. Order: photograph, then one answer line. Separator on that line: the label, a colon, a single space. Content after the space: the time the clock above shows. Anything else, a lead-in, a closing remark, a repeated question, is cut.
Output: 5:23:49
